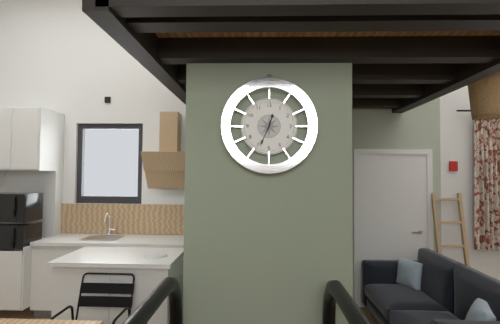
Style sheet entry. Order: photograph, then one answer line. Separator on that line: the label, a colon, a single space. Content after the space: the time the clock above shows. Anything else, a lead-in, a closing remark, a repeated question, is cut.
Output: 12:34
